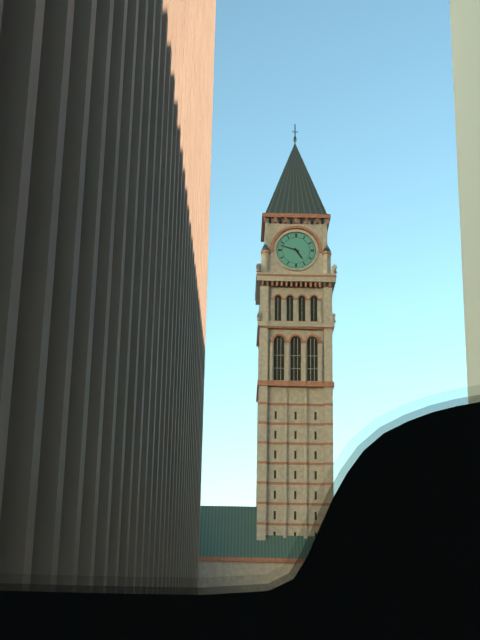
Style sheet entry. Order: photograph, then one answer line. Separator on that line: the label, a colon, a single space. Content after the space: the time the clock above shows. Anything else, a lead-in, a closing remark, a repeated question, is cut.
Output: 4:48
